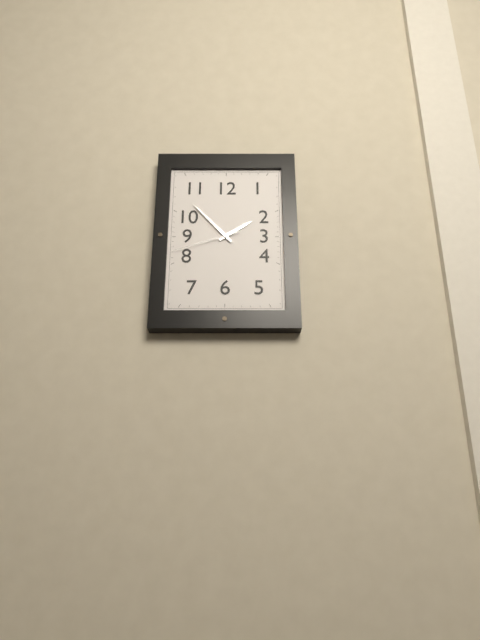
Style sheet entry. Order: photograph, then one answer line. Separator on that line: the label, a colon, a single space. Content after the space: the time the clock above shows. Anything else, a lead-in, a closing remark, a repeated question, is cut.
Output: 1:53:42
